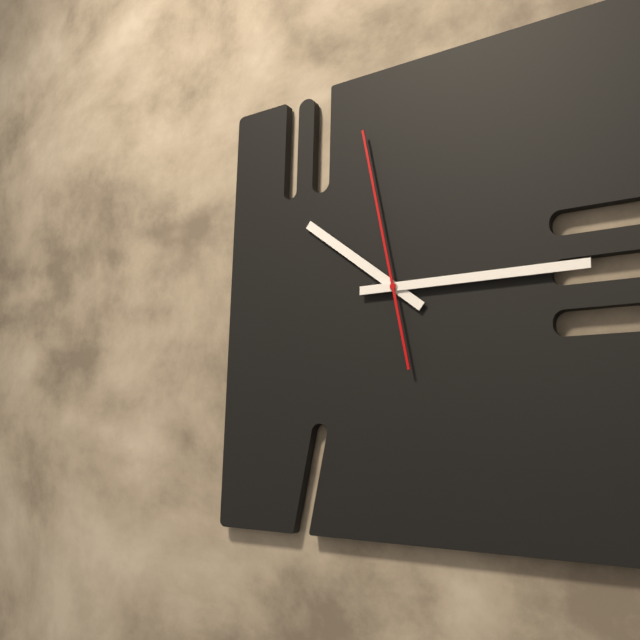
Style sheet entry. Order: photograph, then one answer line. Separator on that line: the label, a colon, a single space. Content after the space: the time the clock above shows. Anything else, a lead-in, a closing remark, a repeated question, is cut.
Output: 10:15:58
